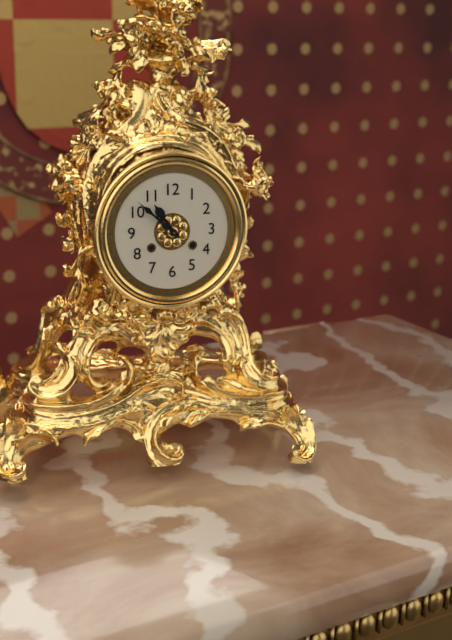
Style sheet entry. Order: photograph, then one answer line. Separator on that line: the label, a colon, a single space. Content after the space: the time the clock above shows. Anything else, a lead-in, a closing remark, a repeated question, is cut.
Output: 10:52
